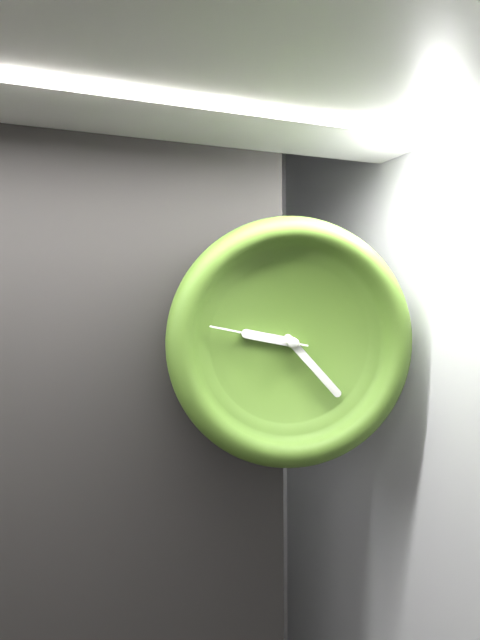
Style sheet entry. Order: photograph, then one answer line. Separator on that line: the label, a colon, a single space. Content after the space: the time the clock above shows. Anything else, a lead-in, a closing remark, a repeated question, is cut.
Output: 9:23:47
